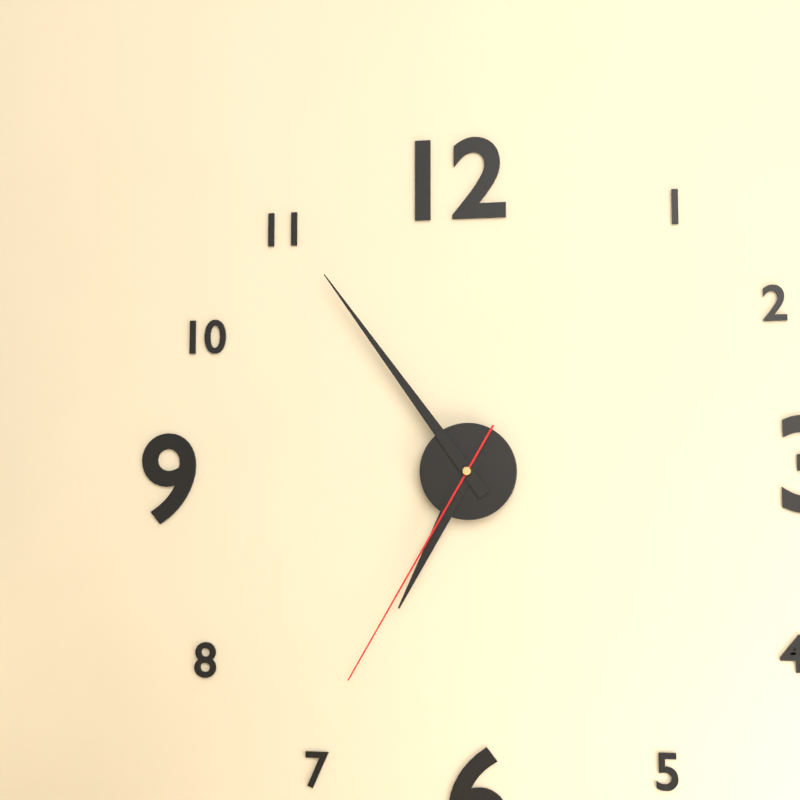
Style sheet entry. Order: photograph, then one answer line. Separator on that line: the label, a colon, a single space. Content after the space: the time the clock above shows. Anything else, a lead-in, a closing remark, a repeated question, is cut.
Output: 6:54:35
